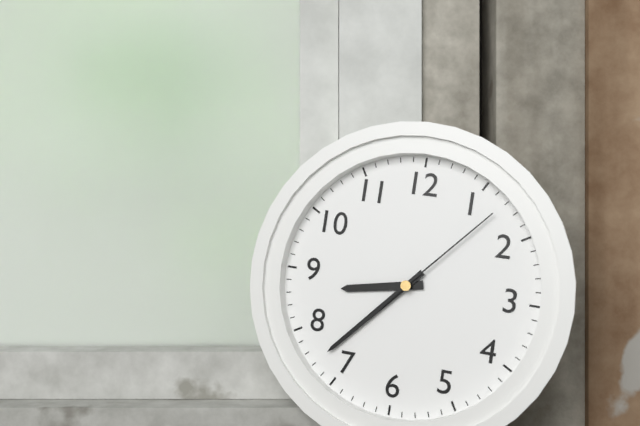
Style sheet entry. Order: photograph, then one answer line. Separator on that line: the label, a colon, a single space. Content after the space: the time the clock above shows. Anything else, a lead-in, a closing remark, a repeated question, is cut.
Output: 8:37:07
